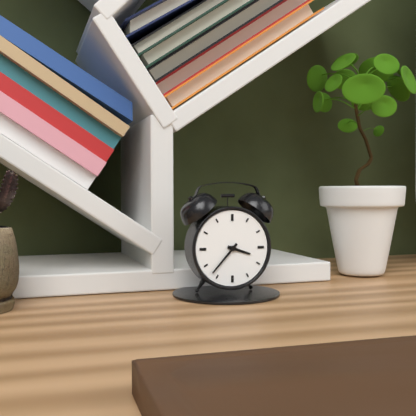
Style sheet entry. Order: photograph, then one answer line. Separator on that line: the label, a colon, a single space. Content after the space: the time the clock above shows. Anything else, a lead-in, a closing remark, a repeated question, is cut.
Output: 3:37
